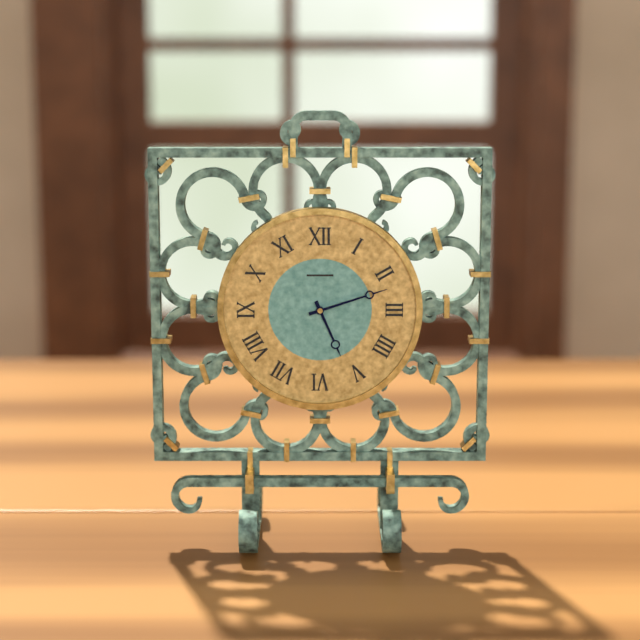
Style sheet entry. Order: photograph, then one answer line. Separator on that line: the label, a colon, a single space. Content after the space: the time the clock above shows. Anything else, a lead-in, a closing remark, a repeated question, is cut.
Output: 5:12
